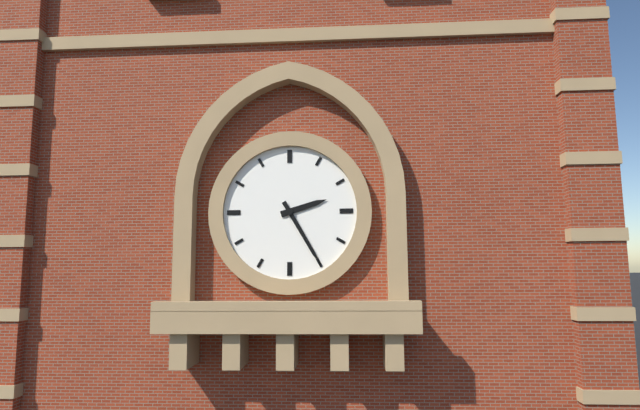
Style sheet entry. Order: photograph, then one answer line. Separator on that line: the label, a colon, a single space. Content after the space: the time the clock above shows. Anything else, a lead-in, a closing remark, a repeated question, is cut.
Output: 2:25
